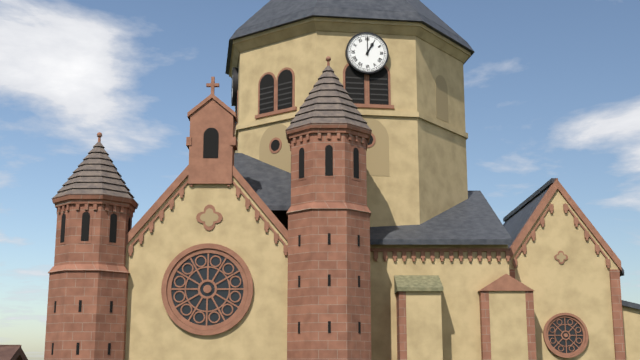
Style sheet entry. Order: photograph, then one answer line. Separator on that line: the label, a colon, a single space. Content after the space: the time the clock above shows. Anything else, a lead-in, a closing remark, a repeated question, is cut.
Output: 1:00
